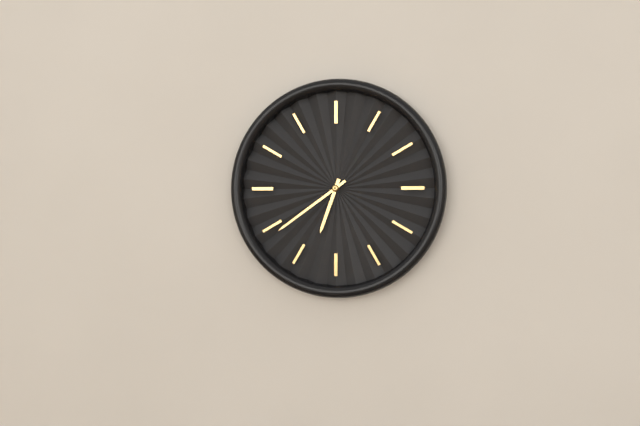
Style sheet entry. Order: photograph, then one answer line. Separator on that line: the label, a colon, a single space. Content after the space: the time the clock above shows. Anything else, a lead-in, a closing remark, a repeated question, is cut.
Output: 6:39
